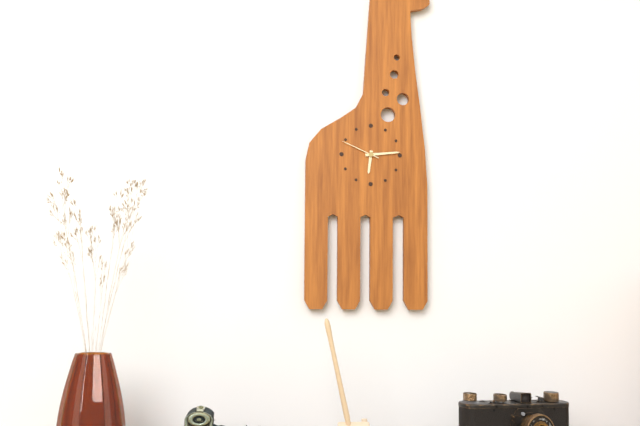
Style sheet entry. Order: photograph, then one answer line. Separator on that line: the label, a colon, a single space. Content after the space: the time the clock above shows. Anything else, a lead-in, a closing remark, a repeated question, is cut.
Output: 6:14
